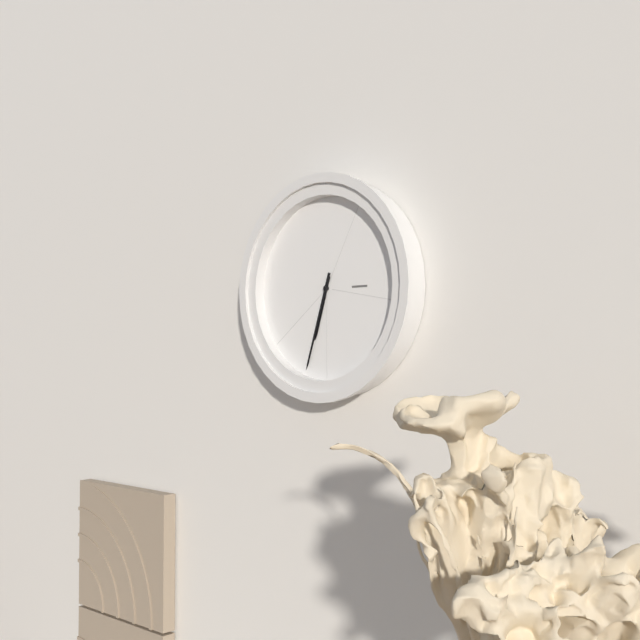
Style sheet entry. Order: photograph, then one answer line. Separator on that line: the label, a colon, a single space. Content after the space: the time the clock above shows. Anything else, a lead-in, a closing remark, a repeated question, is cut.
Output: 6:33
